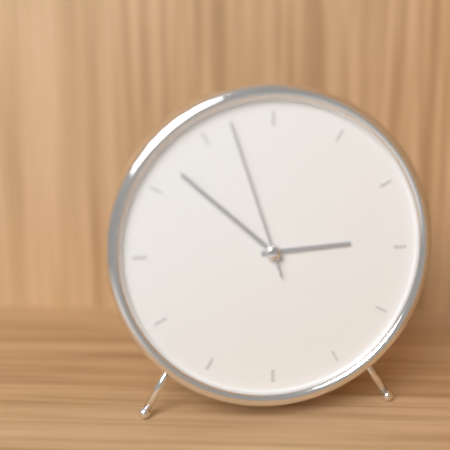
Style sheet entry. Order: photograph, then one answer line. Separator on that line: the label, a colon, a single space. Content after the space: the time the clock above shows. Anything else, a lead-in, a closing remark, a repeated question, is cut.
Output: 2:52:57
